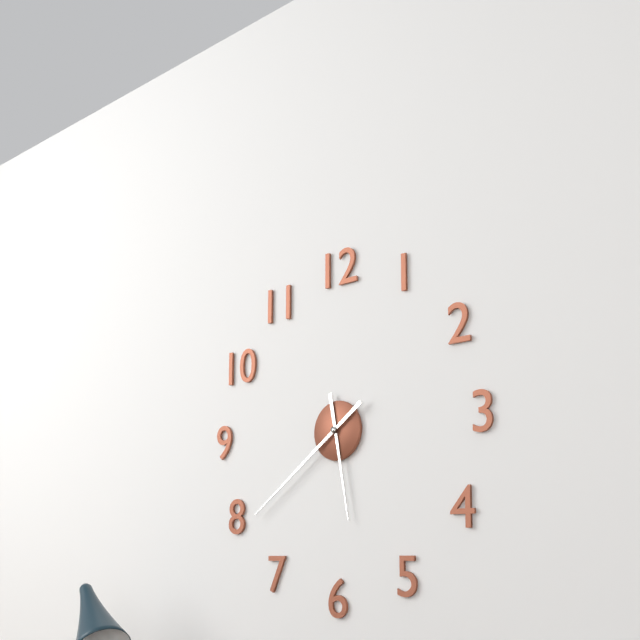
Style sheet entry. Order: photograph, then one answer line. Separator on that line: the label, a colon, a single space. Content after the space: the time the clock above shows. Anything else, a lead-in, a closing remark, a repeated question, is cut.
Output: 5:39
